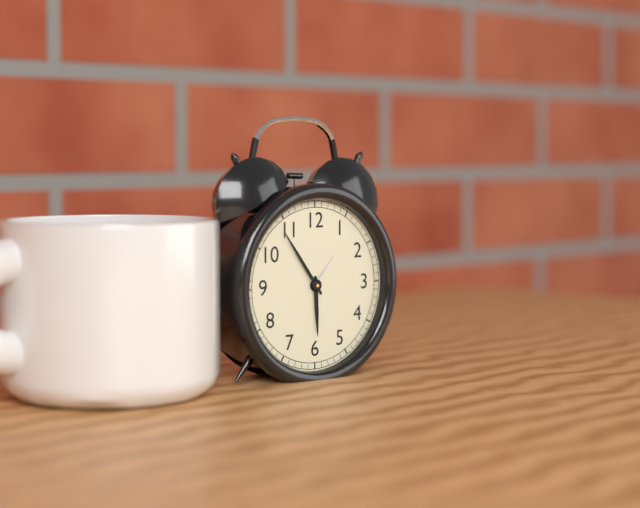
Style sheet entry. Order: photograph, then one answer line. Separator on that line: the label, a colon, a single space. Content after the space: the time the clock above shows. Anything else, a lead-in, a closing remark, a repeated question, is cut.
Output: 5:54
